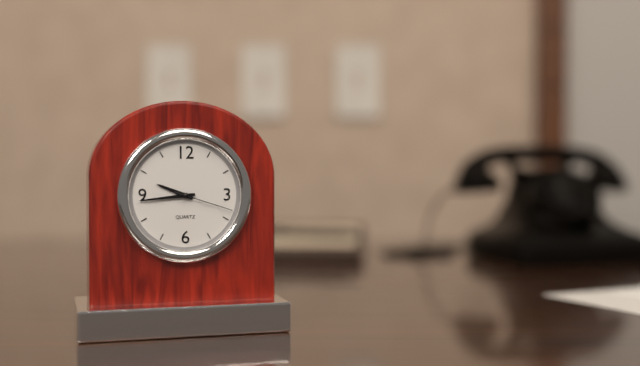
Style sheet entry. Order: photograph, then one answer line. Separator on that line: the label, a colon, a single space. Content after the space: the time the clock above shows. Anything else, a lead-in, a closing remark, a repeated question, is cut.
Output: 9:44:18
